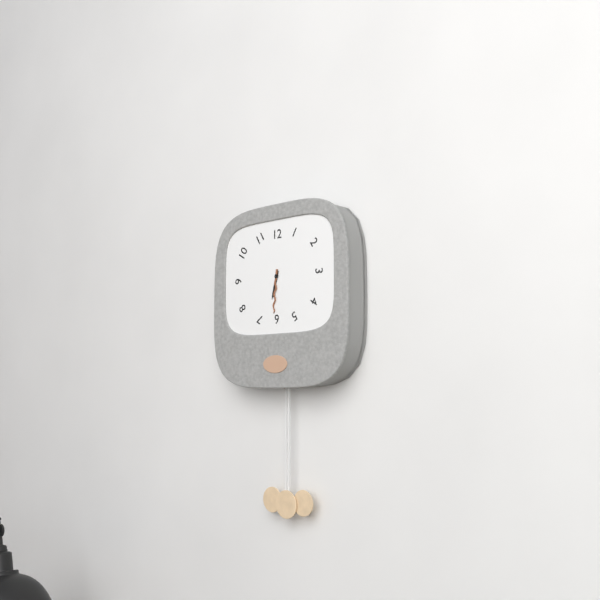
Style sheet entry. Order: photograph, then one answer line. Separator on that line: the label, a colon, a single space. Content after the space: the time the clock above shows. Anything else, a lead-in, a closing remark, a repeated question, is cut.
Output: 6:31
